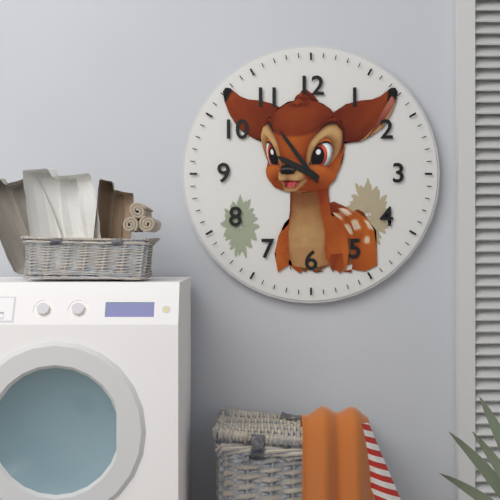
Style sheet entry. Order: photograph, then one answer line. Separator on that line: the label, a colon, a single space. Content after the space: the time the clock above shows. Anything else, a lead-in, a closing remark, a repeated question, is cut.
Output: 9:54
